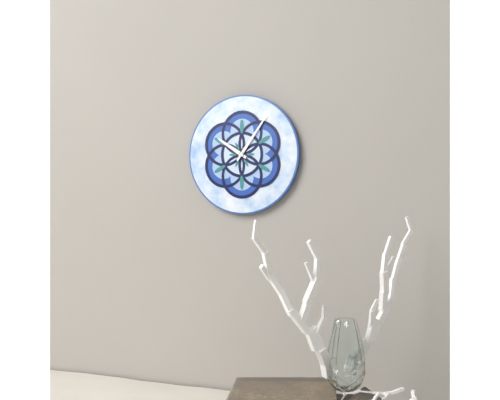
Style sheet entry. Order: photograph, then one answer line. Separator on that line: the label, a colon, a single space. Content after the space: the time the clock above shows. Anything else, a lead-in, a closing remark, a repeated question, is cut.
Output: 10:06
